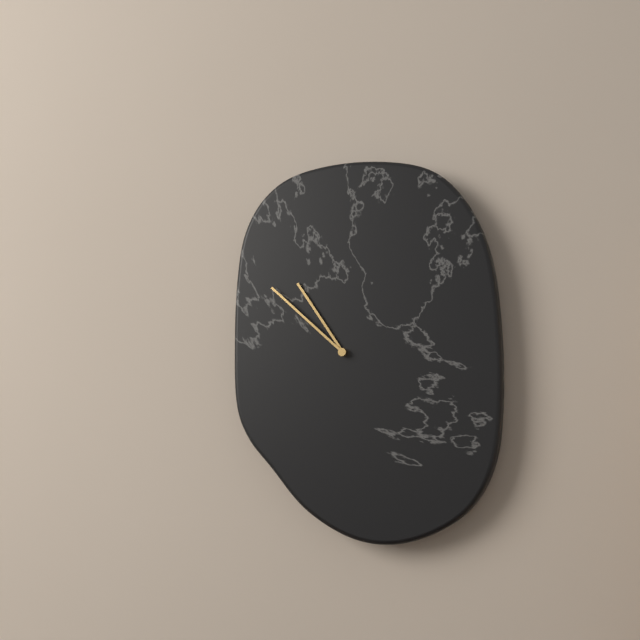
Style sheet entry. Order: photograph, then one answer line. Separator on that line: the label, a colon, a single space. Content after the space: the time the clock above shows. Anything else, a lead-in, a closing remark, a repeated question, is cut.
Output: 10:52
